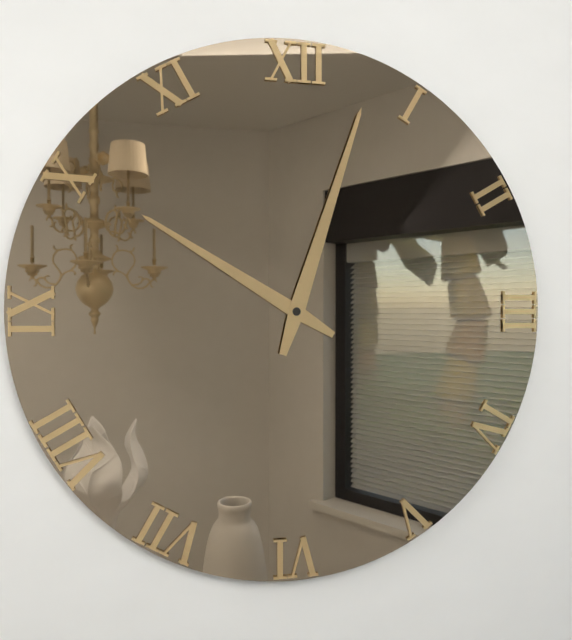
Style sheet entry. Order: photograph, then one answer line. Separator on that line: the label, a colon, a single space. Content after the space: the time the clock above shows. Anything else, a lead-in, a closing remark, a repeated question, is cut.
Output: 10:03
